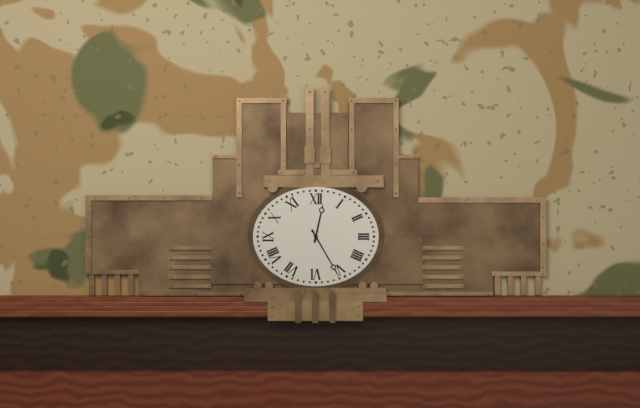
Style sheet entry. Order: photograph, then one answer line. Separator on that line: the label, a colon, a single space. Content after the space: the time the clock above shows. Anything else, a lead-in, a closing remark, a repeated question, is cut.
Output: 12:25
